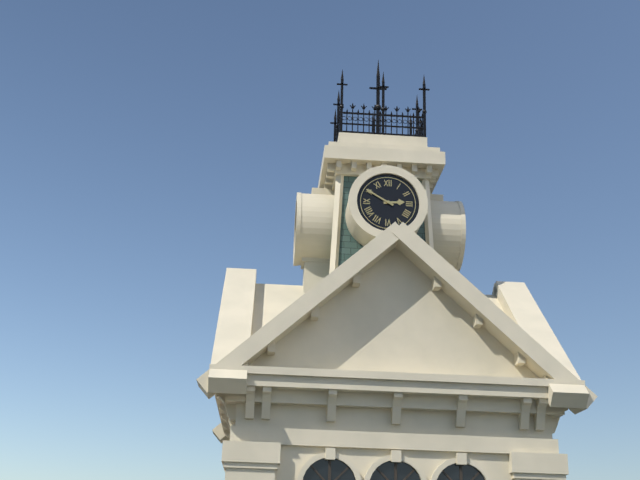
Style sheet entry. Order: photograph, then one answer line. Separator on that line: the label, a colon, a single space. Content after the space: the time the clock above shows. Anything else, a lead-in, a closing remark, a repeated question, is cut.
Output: 2:50
